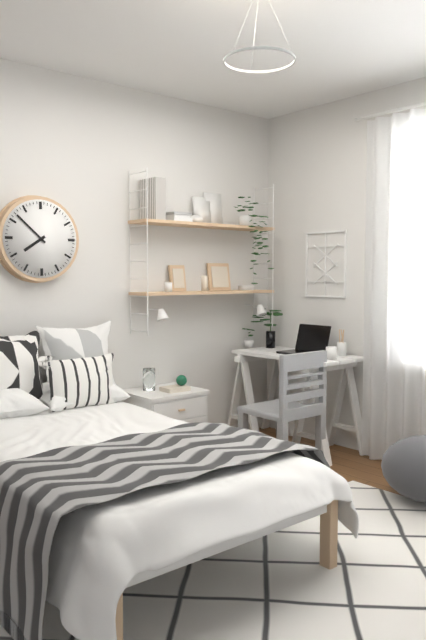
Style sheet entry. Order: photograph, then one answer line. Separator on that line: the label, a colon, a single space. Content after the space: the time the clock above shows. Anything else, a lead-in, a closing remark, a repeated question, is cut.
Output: 7:52
